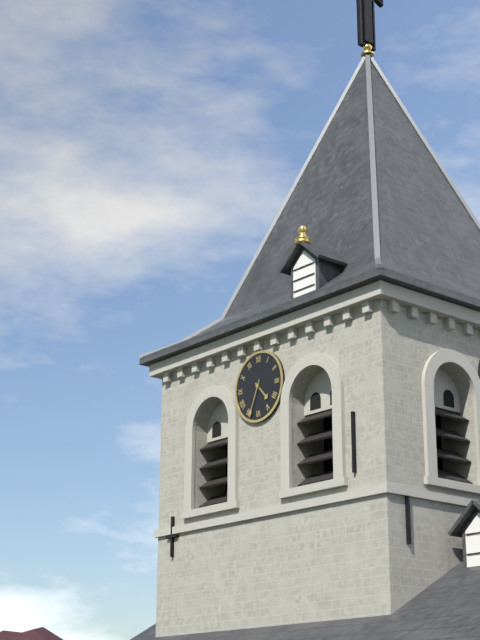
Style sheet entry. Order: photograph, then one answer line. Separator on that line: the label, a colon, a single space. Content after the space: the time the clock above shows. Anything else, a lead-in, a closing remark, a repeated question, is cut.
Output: 4:34
